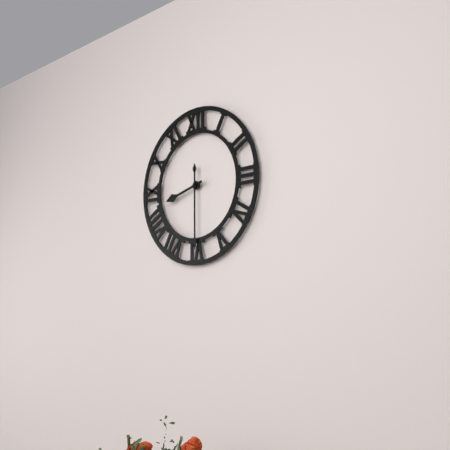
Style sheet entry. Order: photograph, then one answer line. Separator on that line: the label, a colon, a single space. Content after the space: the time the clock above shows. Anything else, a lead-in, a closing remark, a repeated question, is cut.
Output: 8:30
